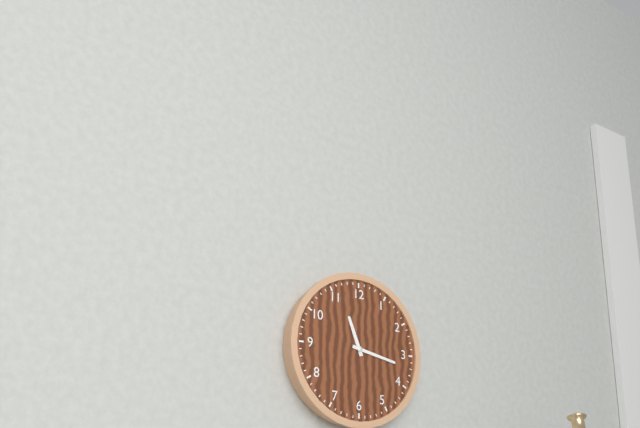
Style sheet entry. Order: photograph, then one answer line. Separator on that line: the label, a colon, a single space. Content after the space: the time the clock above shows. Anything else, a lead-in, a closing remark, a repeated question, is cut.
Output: 11:17
